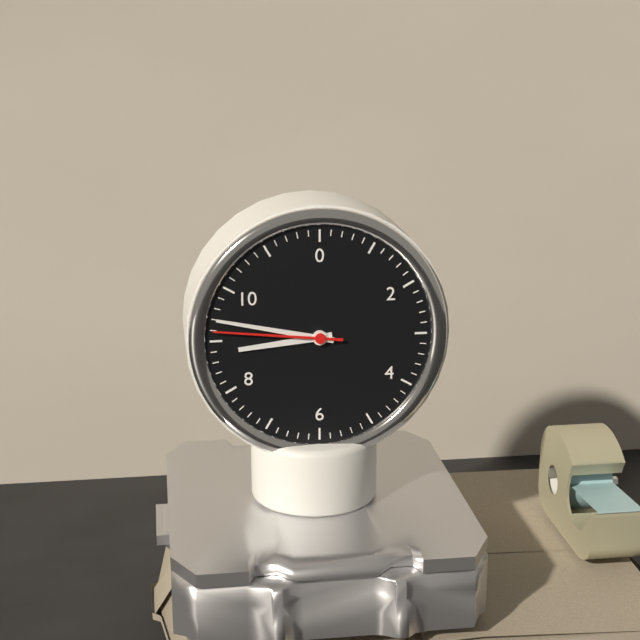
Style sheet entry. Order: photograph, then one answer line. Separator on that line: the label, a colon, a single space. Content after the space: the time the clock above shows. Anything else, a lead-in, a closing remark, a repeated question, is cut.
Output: 8:47:46
